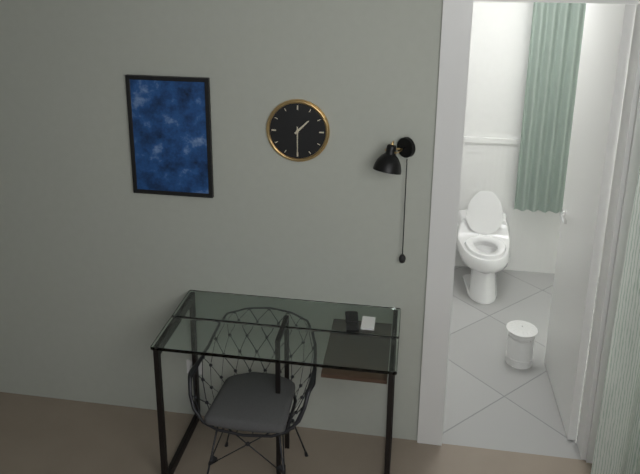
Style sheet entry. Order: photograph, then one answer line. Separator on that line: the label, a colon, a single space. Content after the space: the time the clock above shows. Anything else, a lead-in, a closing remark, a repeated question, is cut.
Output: 1:30
